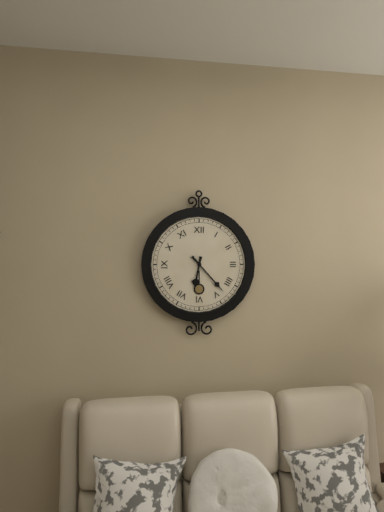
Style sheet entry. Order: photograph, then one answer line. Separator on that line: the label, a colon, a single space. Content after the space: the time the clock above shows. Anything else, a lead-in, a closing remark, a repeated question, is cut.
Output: 6:23
